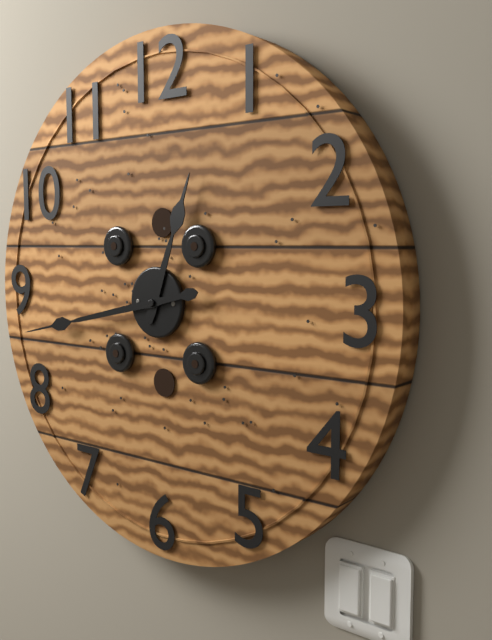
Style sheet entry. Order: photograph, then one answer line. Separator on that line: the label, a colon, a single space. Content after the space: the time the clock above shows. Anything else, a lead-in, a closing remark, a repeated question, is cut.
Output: 12:43
